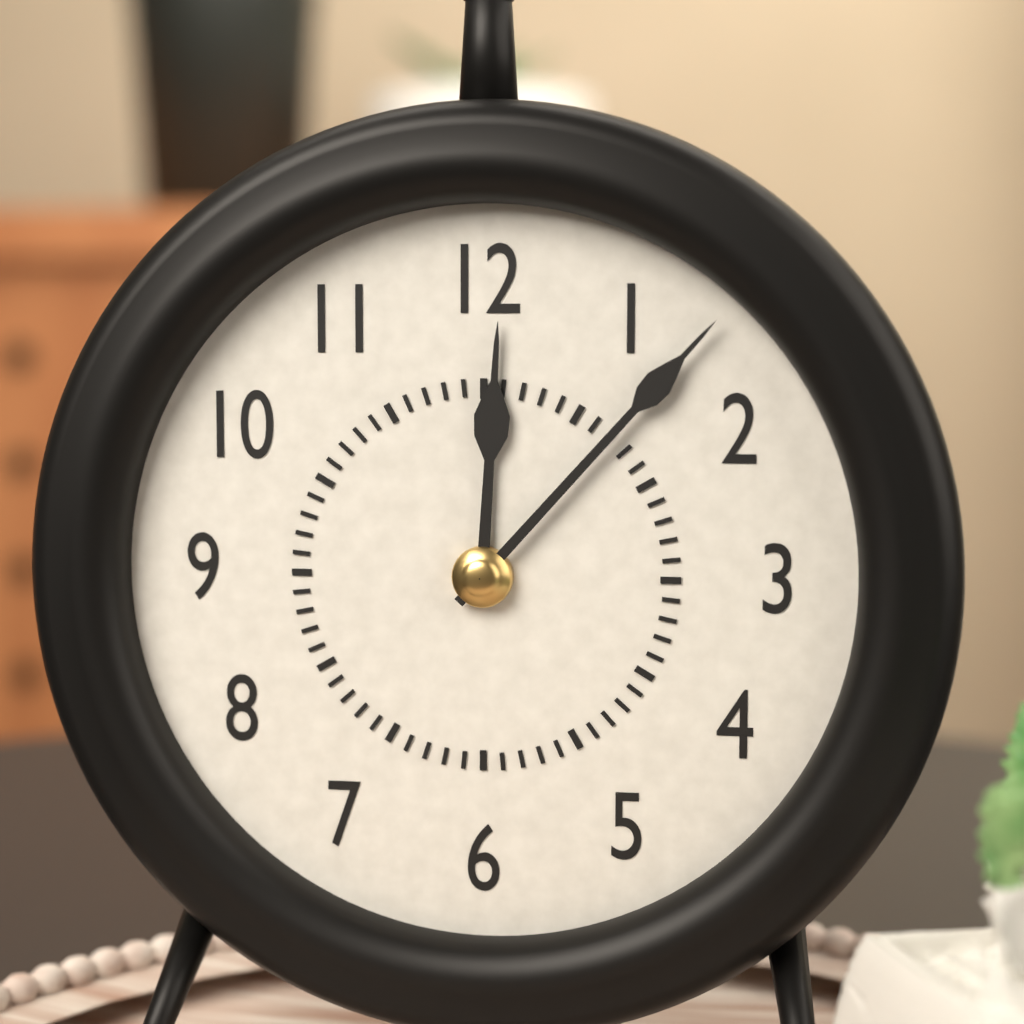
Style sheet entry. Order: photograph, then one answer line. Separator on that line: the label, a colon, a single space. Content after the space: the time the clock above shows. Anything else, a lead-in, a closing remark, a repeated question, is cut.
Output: 12:07
